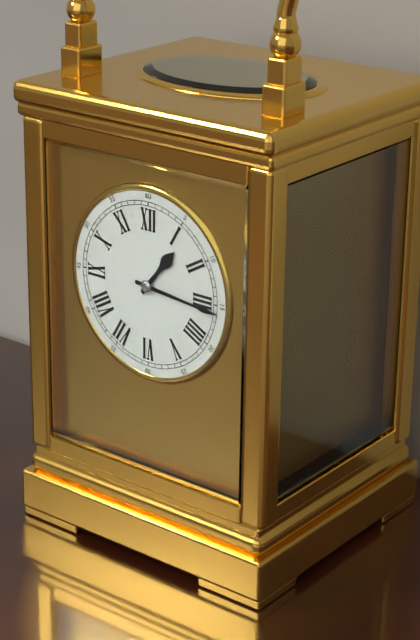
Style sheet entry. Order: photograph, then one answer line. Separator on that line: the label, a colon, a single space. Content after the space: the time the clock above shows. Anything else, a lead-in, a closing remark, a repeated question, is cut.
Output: 1:16
